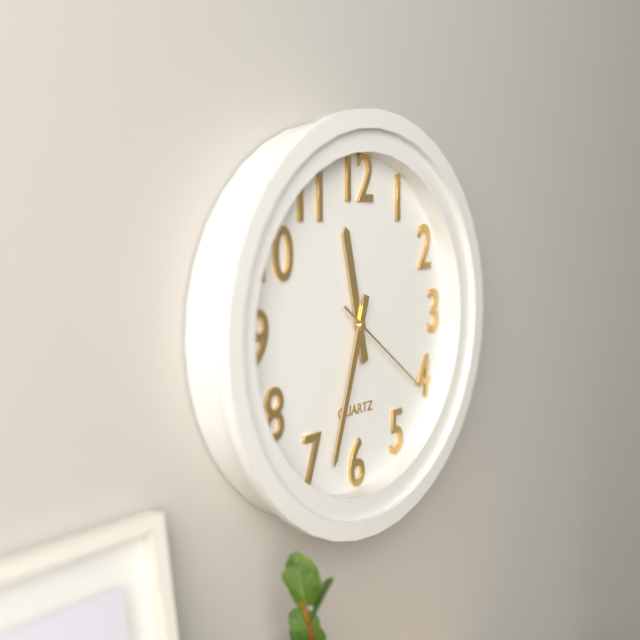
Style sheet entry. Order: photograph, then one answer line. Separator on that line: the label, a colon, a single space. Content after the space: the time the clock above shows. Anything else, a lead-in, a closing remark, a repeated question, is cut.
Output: 11:33:21
